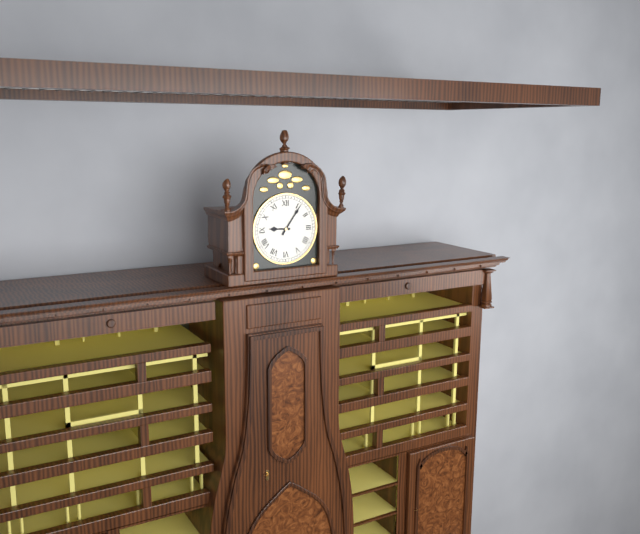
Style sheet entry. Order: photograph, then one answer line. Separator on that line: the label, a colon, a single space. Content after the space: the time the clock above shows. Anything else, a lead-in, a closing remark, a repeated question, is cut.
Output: 9:06
